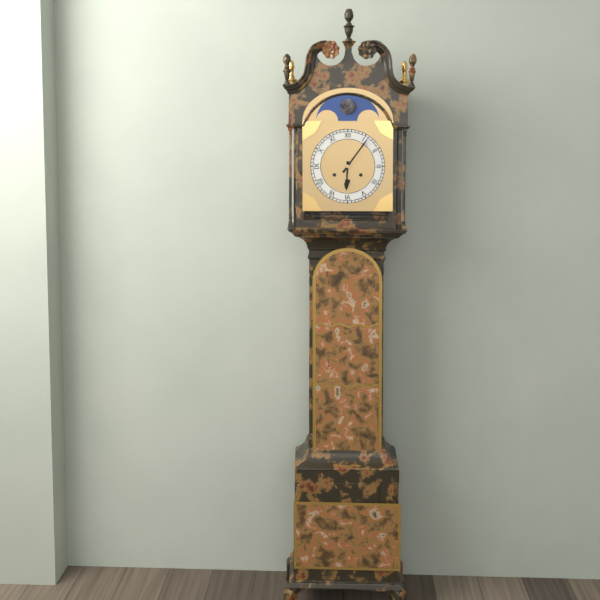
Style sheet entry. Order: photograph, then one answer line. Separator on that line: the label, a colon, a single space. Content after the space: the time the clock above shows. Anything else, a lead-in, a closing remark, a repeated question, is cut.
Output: 6:06
